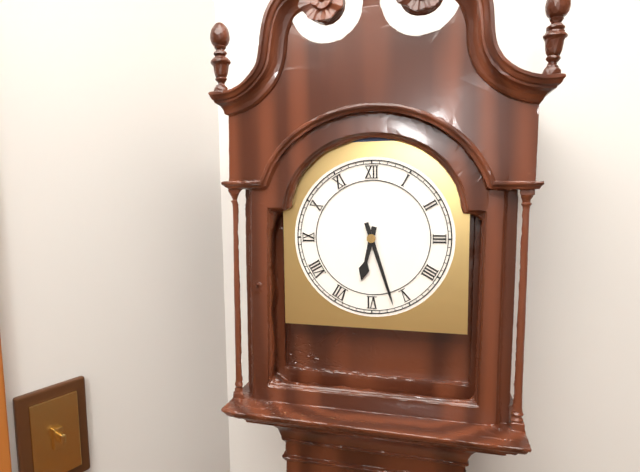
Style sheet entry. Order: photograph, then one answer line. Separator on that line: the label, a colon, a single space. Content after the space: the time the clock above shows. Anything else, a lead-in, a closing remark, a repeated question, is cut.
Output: 6:27
